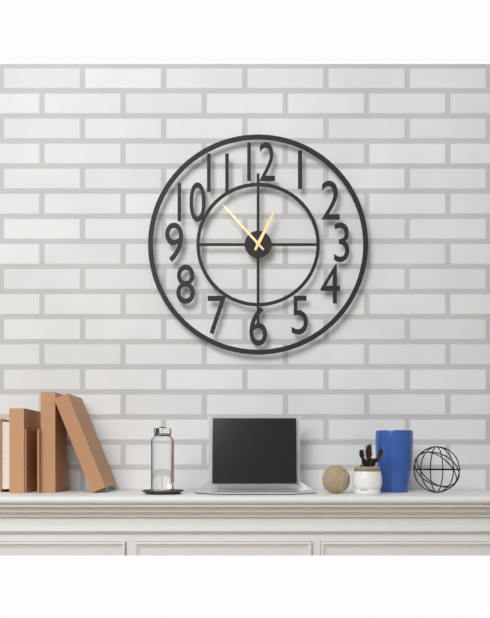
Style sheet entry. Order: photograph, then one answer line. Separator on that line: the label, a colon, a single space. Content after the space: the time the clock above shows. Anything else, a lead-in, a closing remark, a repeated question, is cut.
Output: 12:53
